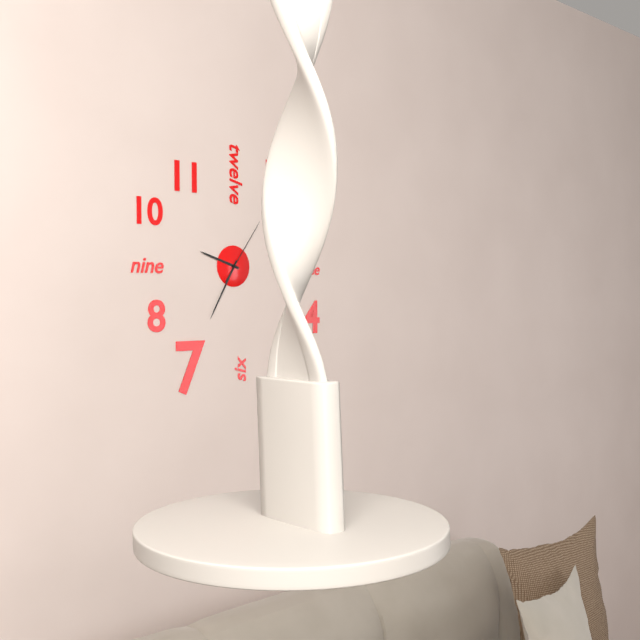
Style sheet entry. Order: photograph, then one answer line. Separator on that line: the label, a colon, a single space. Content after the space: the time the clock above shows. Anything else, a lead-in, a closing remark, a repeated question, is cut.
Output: 9:35:06
